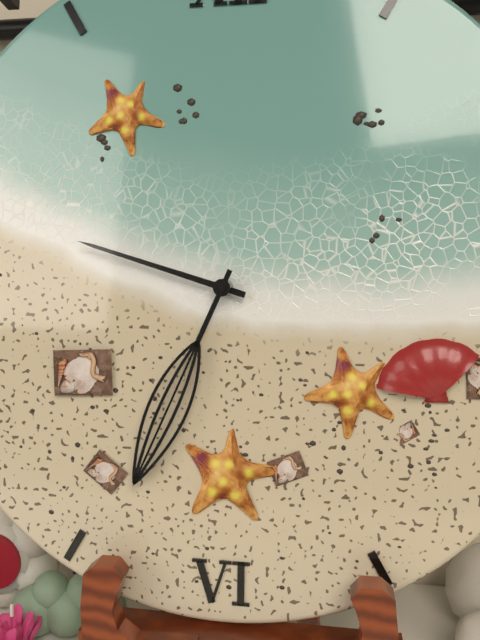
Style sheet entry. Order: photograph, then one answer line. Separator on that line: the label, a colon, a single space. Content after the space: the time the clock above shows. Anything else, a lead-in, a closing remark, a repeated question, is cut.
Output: 9:34
